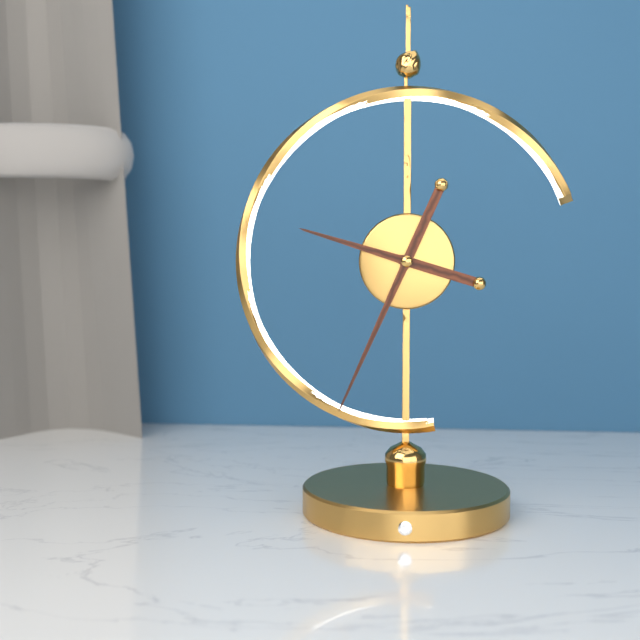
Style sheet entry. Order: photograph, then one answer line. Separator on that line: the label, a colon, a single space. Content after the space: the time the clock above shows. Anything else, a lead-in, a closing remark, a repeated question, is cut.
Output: 9:34
